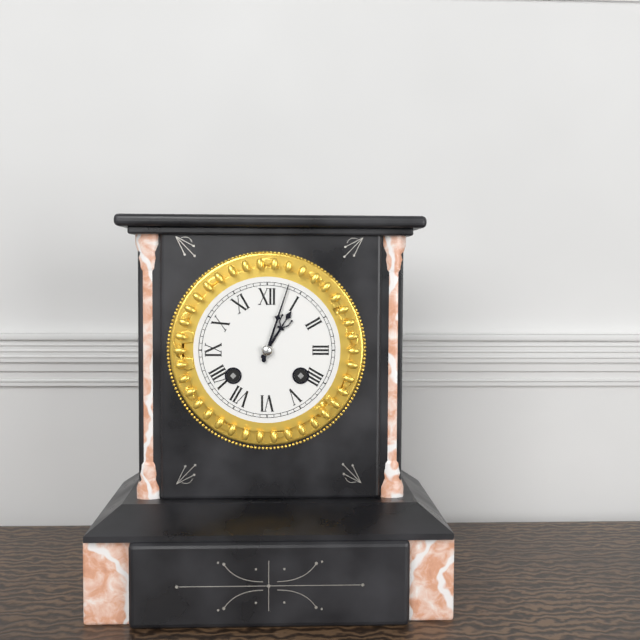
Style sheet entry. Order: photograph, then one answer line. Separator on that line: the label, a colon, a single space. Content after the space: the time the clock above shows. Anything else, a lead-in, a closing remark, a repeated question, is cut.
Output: 1:03
